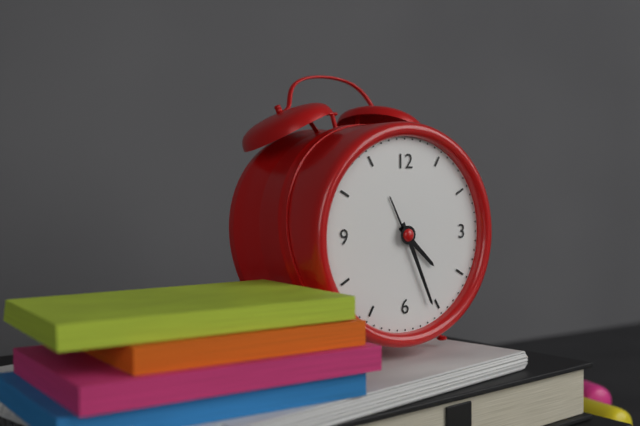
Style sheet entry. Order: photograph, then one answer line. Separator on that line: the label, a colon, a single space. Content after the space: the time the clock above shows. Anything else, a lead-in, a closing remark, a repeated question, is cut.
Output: 4:26
